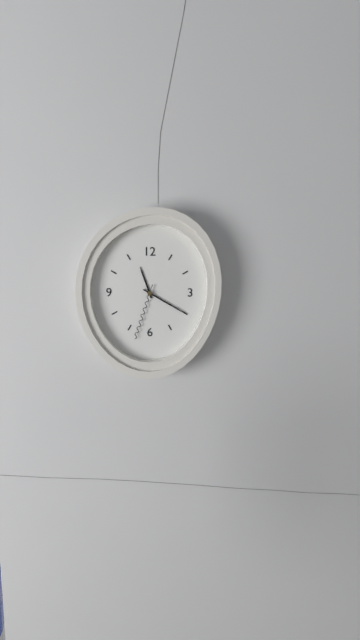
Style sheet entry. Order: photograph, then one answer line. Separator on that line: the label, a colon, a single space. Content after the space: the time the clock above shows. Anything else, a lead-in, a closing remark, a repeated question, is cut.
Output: 11:20:33
